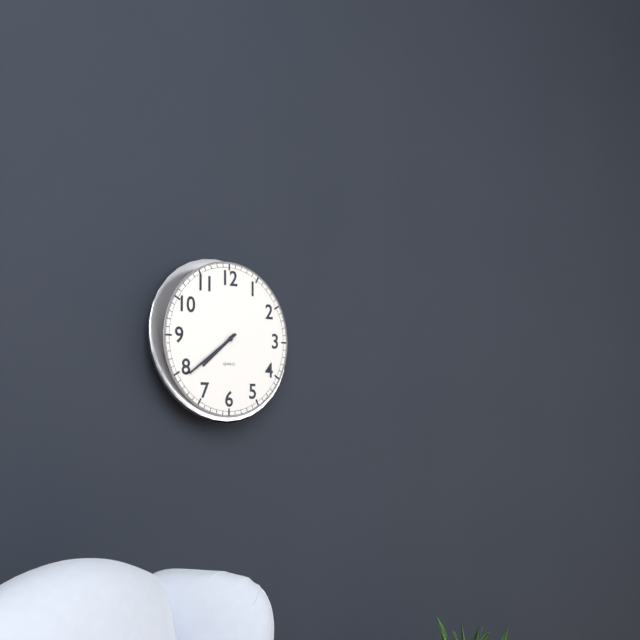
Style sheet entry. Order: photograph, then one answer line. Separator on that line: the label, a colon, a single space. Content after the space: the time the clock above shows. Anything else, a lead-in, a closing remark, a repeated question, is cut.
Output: 7:39
